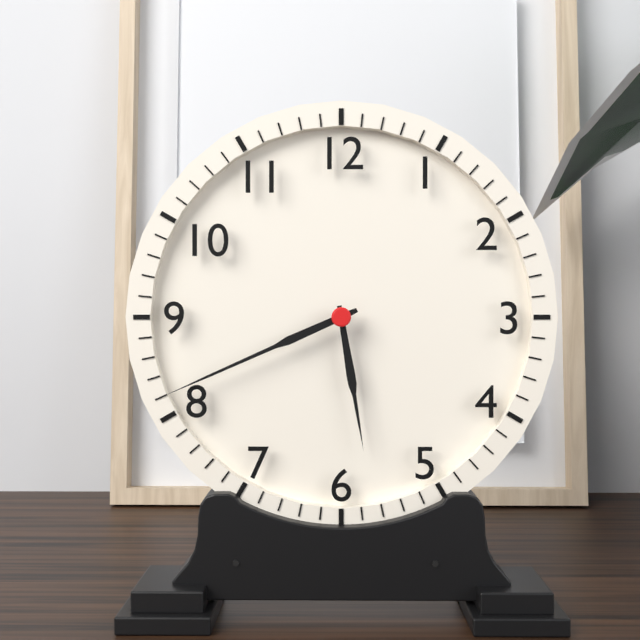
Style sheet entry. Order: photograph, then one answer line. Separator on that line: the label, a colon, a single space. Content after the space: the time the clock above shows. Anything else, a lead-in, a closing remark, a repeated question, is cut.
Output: 5:41
